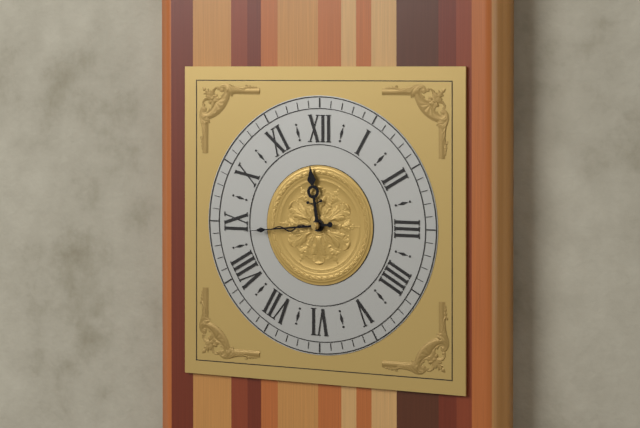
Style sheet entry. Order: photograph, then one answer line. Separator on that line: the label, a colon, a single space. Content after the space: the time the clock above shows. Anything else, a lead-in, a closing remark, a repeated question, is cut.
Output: 11:44
